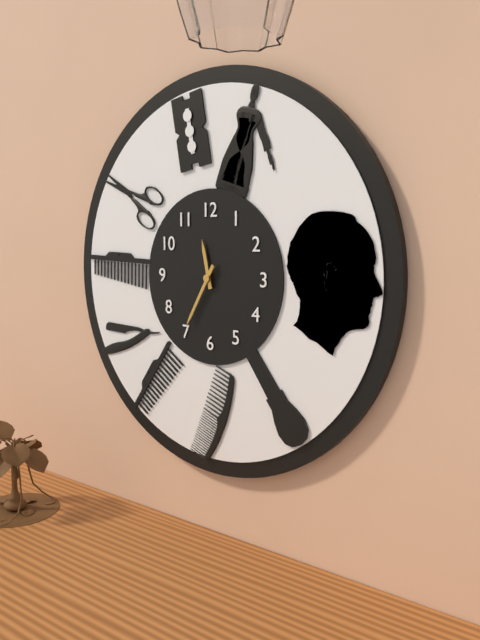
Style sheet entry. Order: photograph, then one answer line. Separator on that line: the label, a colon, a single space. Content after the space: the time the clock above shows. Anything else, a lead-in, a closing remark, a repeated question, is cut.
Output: 11:35
